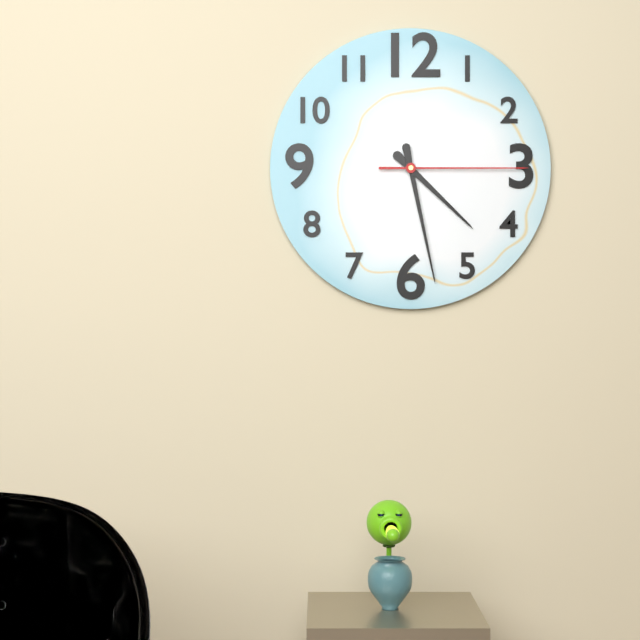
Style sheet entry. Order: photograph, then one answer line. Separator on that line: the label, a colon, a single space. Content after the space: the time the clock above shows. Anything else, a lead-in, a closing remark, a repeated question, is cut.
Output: 4:28:15
